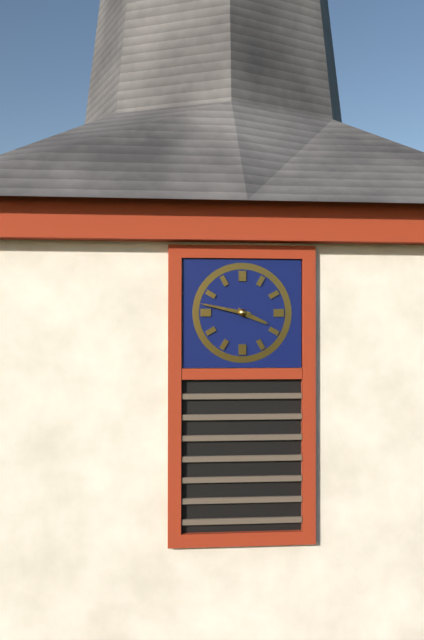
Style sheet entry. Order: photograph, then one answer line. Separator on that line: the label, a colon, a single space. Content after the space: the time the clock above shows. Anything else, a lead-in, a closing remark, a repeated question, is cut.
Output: 3:47
